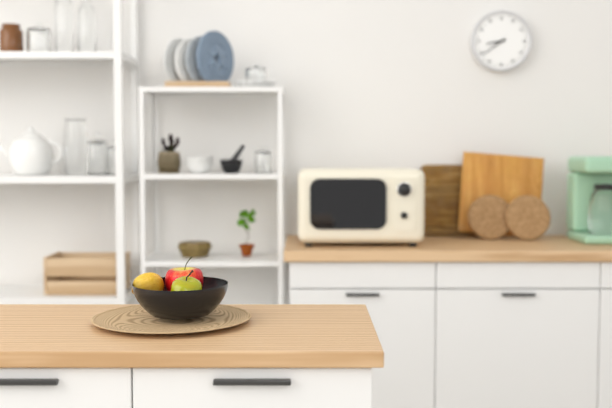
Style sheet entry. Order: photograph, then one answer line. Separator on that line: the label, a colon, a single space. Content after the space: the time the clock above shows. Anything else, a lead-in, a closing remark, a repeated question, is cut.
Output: 8:39
